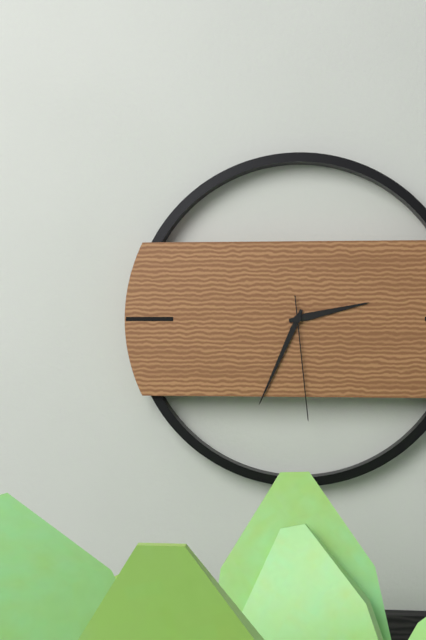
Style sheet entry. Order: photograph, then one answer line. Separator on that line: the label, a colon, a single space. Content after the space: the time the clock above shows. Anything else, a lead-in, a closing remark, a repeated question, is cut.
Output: 2:34:29
